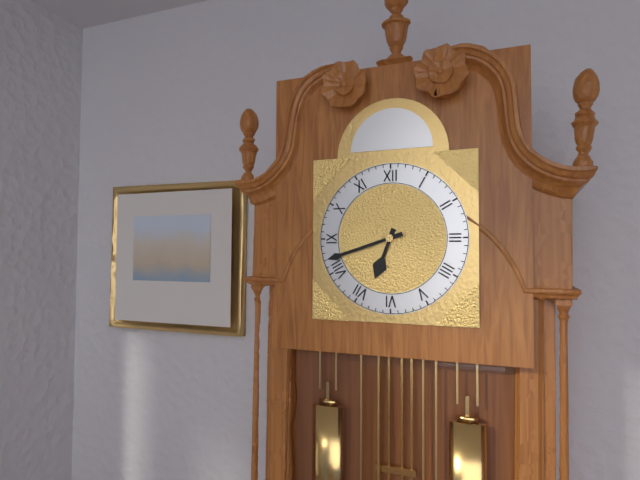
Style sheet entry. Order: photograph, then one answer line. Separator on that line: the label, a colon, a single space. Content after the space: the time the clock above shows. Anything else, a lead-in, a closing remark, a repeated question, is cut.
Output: 6:42
